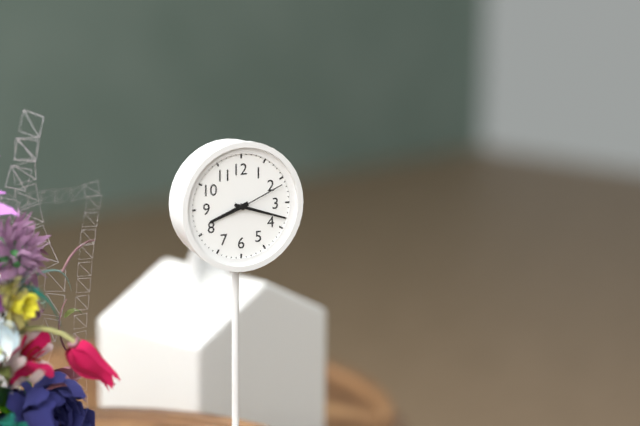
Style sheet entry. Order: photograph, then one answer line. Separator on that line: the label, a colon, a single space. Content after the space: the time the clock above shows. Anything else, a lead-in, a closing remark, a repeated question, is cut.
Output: 8:18:11
